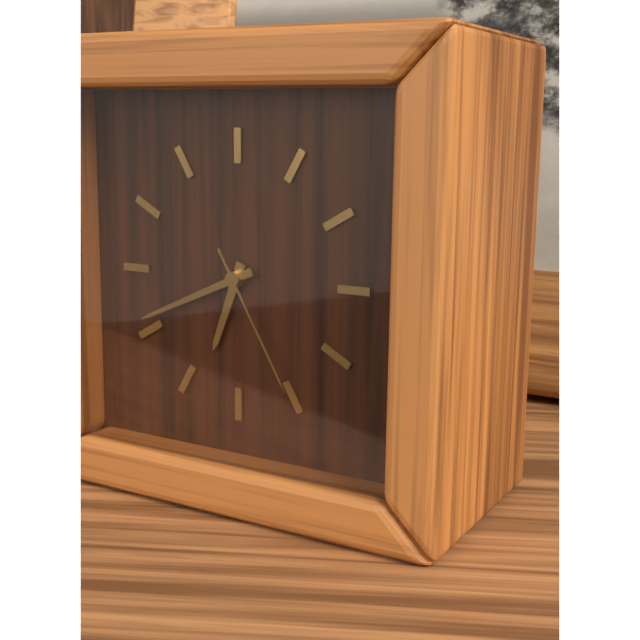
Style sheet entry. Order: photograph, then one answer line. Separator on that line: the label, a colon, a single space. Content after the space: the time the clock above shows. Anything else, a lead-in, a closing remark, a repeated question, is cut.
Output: 6:41:25
